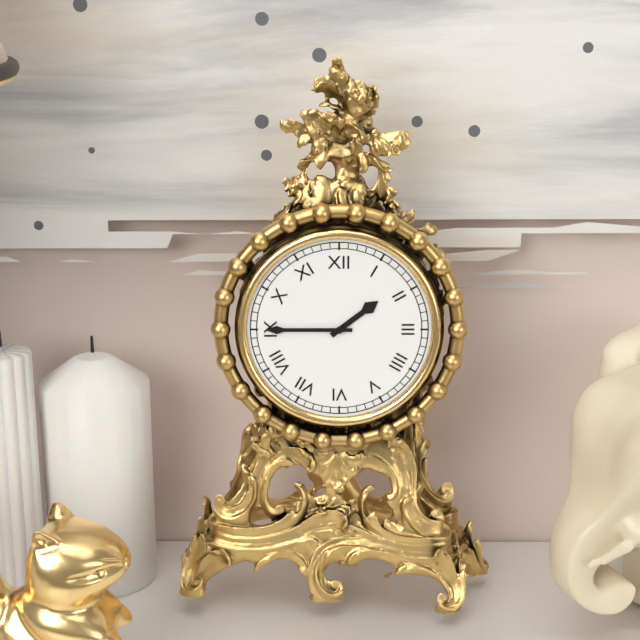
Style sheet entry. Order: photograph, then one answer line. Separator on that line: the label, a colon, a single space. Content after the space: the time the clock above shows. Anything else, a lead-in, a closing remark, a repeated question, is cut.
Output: 1:45
